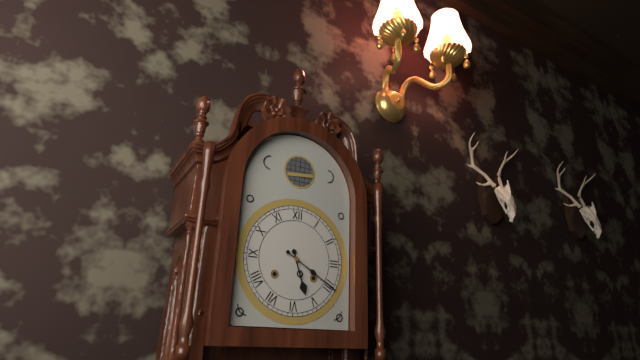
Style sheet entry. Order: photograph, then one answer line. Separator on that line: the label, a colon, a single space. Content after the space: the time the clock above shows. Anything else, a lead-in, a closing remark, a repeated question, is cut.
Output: 5:20
